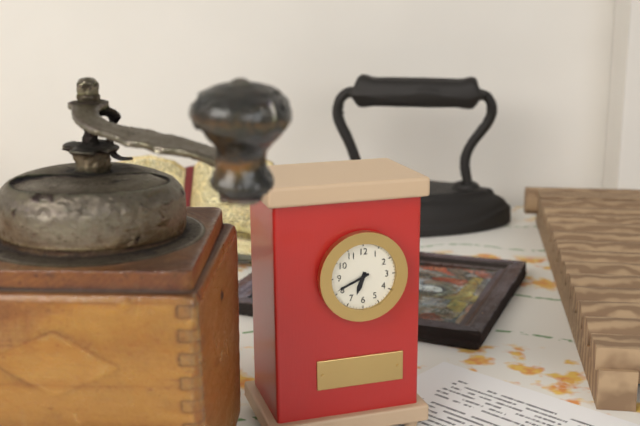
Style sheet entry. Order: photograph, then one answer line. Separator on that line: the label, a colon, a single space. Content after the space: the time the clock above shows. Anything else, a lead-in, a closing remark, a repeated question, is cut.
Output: 6:41
